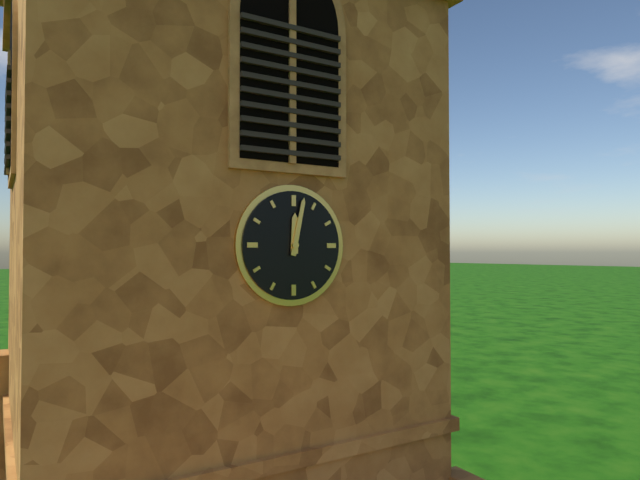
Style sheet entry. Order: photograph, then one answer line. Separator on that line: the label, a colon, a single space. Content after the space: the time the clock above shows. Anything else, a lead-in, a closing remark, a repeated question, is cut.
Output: 12:02
